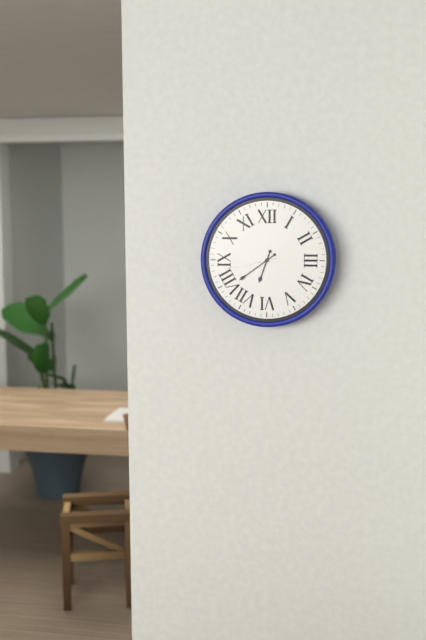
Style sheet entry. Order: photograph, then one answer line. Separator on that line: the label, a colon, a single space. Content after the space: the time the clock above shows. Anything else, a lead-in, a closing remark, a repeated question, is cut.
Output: 6:39:43
